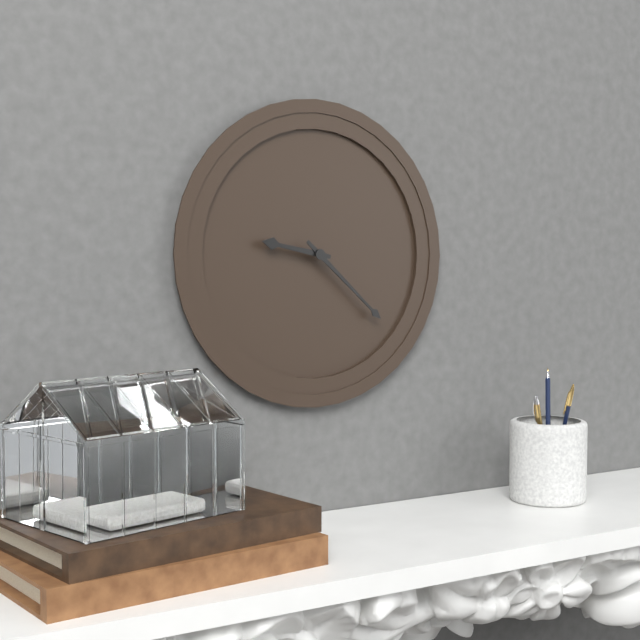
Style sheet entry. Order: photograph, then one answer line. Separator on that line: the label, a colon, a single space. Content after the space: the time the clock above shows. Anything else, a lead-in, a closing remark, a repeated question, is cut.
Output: 9:22
